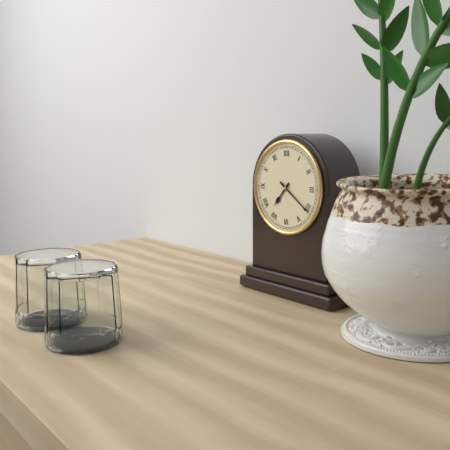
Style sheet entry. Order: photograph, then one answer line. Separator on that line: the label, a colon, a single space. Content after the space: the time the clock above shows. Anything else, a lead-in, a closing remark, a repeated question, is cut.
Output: 7:21
